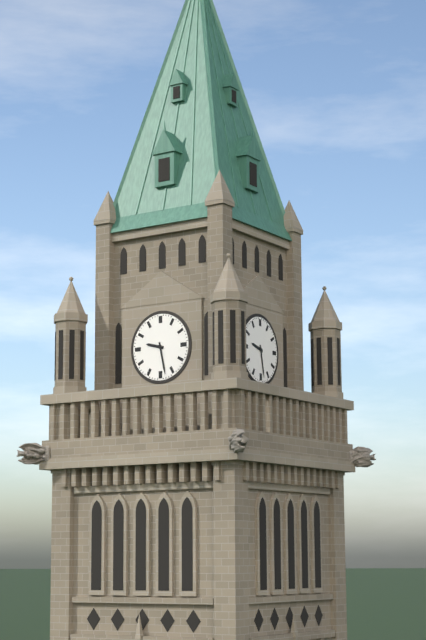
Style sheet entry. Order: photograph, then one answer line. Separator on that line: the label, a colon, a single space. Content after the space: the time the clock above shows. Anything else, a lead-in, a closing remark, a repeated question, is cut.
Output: 9:28
